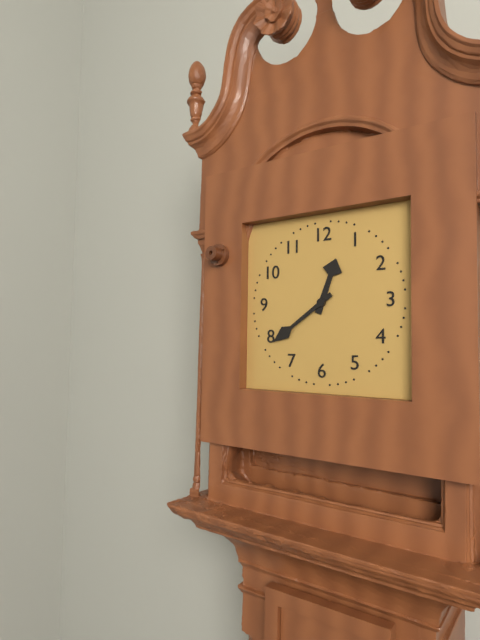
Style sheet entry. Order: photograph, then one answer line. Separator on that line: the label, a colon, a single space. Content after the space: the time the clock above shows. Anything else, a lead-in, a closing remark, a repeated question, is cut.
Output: 12:39
